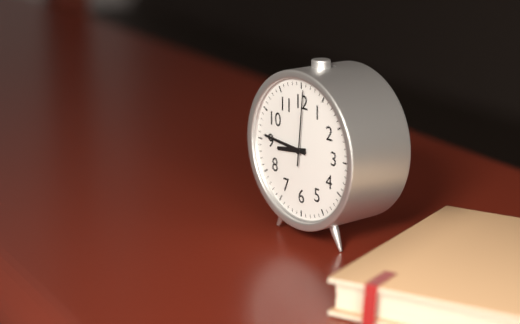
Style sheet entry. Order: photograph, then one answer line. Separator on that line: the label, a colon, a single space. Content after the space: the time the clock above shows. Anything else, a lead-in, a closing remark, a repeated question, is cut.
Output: 8:46:01
